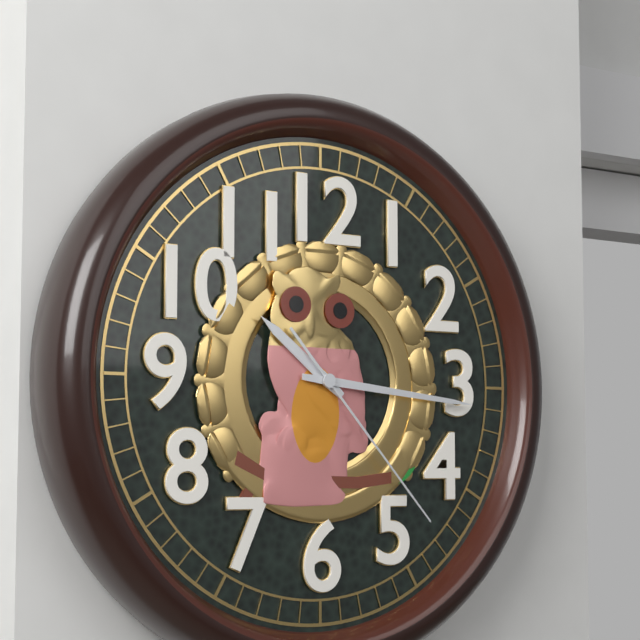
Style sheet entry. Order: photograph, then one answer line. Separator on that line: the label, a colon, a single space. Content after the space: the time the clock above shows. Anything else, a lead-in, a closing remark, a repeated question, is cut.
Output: 10:16:23
